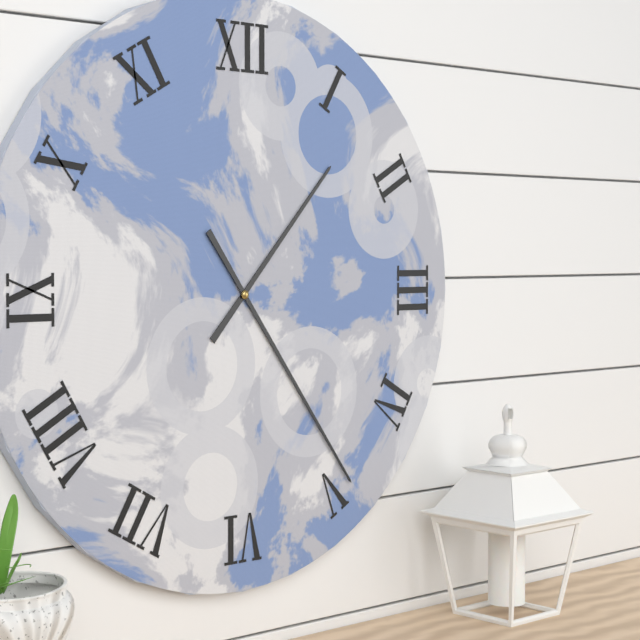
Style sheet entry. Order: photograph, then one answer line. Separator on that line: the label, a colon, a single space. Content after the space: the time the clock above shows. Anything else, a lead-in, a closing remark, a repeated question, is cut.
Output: 1:24
